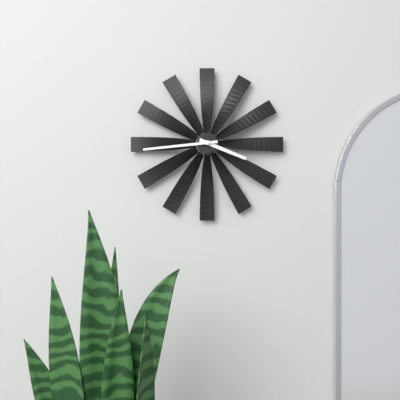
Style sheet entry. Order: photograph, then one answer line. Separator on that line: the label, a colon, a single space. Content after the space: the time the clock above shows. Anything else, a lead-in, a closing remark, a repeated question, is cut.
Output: 3:44
